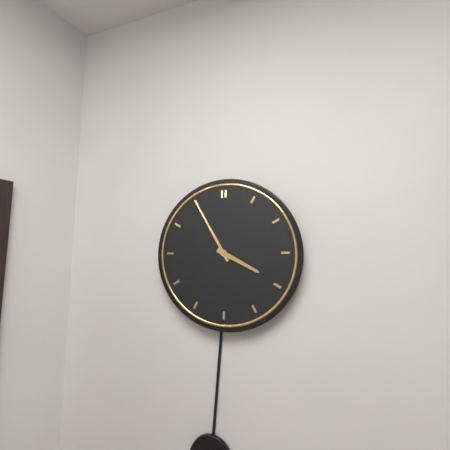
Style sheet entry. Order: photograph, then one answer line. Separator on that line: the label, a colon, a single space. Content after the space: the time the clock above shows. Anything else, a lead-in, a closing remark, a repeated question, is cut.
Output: 3:55
